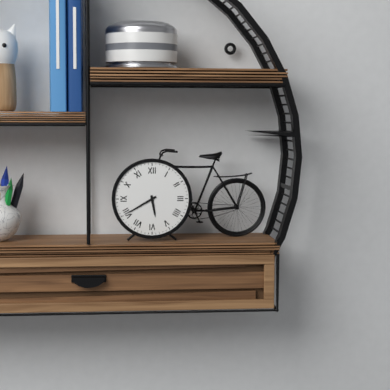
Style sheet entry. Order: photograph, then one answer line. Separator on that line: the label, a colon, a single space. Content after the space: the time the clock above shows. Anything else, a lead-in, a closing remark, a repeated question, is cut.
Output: 5:40
